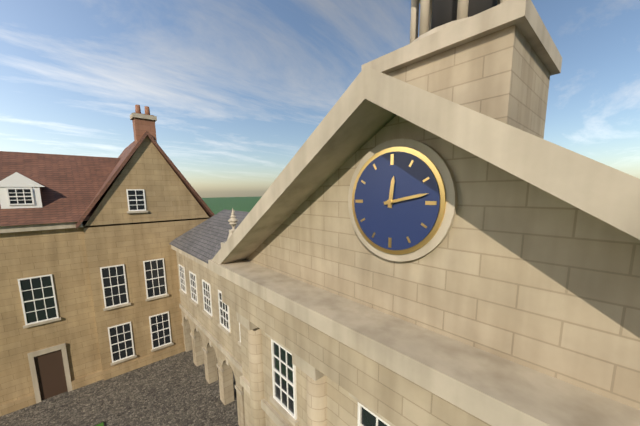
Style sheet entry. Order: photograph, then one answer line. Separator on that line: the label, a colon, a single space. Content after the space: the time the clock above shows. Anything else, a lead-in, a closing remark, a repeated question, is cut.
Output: 12:13
